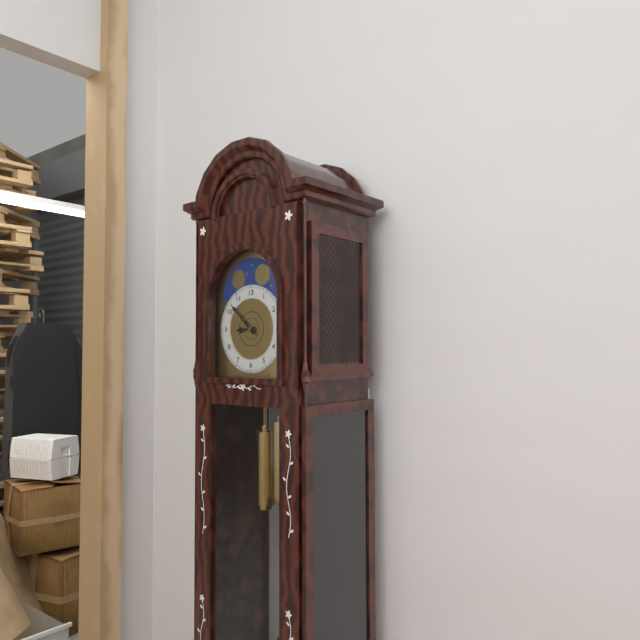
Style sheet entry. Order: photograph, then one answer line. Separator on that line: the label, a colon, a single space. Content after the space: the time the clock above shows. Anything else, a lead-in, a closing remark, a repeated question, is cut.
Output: 8:52
